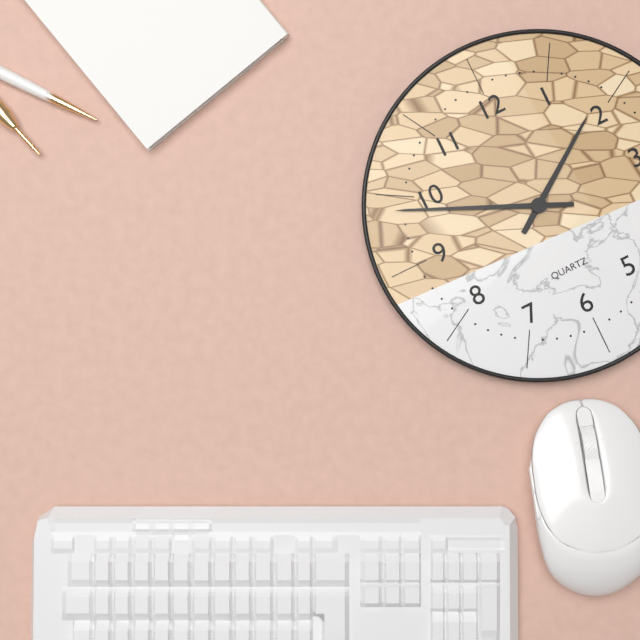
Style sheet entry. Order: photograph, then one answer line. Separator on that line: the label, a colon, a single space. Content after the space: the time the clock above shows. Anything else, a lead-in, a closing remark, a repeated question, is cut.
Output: 1:49
